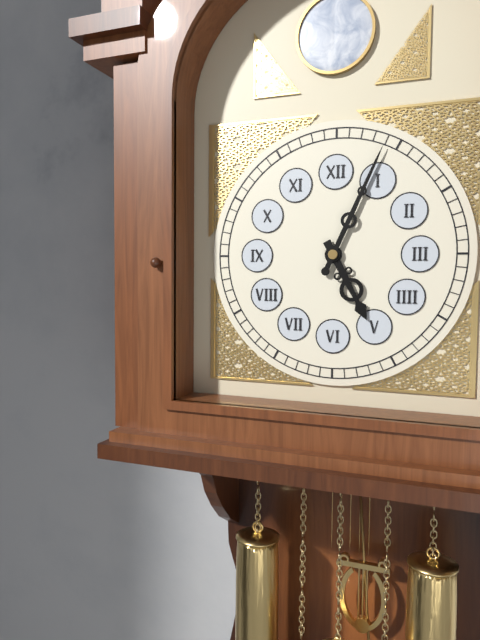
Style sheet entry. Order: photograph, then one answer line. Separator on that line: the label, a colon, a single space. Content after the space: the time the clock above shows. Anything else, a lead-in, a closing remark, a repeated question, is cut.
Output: 5:04
